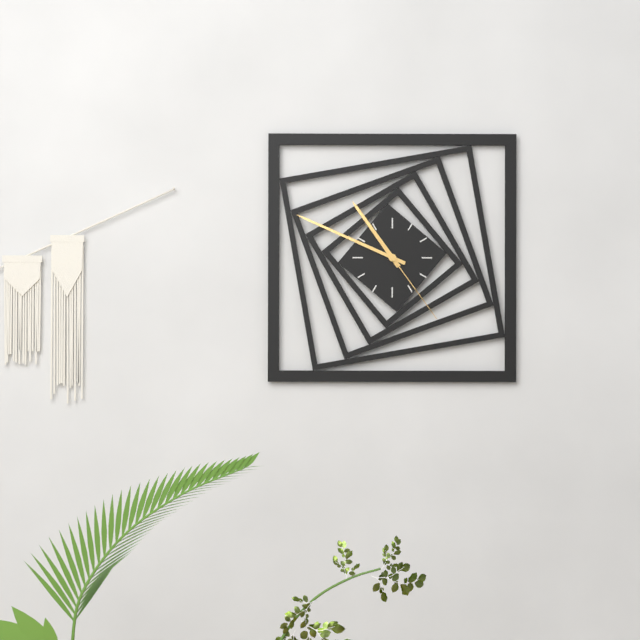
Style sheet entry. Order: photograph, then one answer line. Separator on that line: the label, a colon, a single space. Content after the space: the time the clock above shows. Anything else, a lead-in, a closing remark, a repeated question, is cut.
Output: 10:49:24
